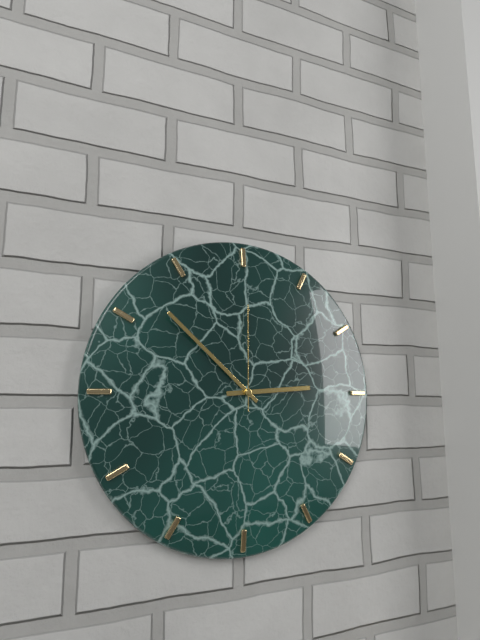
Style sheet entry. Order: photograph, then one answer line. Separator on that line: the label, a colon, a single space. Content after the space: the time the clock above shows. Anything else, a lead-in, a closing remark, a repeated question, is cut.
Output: 2:52:00
